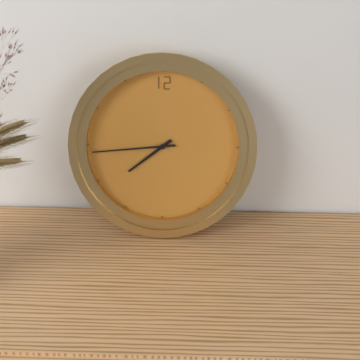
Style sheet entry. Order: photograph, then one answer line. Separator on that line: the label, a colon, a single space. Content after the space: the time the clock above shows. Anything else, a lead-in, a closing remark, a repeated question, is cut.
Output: 7:44
